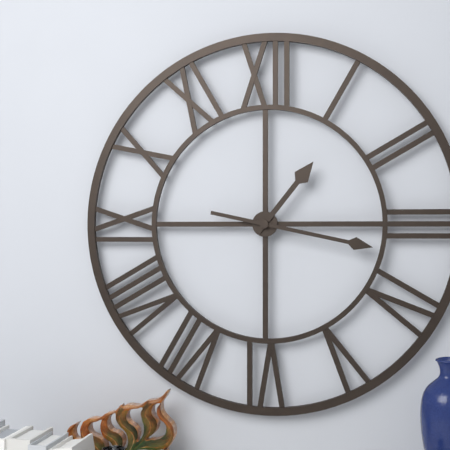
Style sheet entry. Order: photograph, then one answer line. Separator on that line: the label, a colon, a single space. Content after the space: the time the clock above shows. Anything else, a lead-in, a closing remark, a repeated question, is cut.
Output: 1:17
